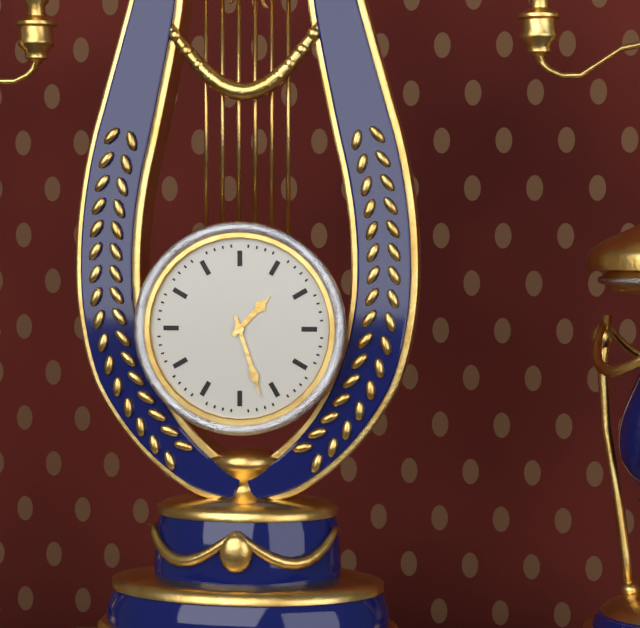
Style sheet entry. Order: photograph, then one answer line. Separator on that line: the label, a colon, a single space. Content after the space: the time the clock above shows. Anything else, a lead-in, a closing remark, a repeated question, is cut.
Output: 1:27
